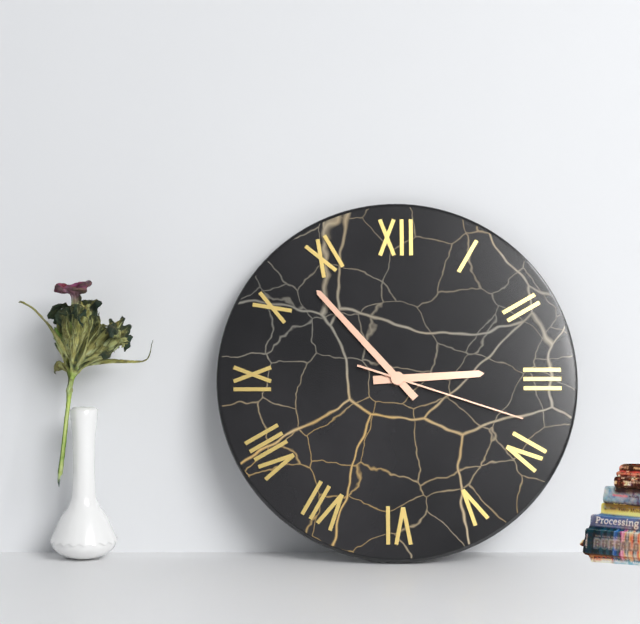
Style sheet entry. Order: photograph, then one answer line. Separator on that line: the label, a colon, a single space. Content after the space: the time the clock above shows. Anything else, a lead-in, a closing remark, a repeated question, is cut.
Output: 2:53:18
